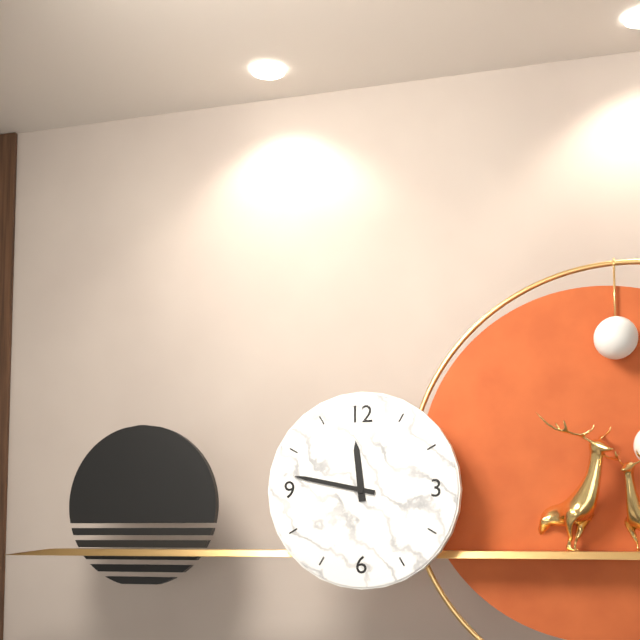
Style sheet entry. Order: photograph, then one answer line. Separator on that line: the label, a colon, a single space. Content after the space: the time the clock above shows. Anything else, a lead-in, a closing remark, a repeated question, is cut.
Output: 11:47
